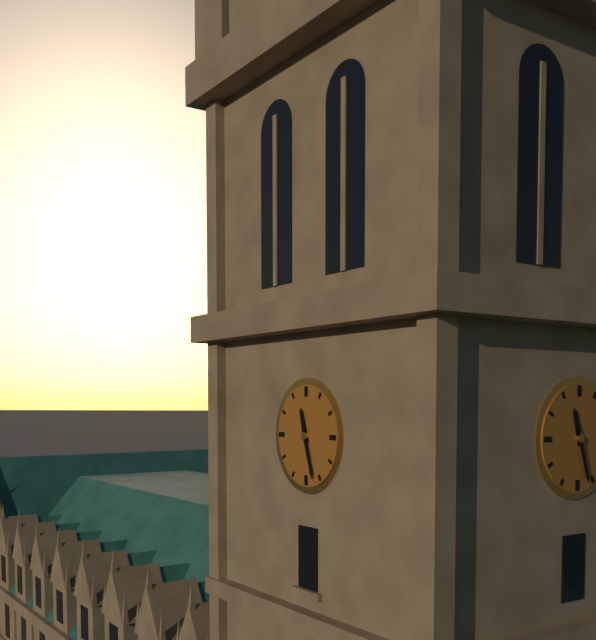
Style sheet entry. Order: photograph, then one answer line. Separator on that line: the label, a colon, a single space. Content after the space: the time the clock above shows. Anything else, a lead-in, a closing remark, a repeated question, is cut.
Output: 11:27
